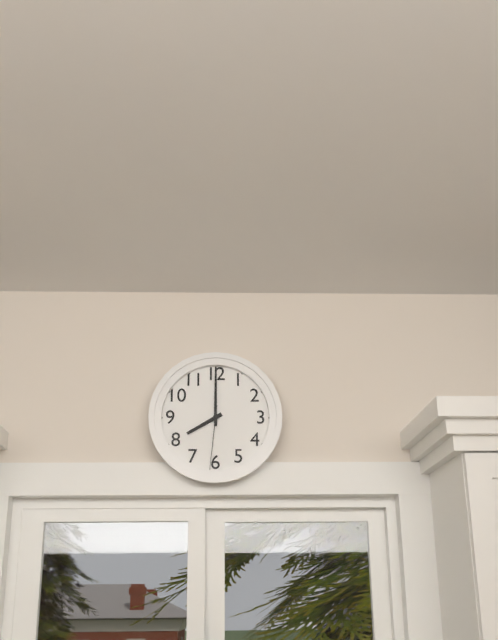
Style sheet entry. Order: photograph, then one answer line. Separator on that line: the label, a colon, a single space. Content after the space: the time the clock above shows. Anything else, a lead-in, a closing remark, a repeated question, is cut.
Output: 8:00:31
